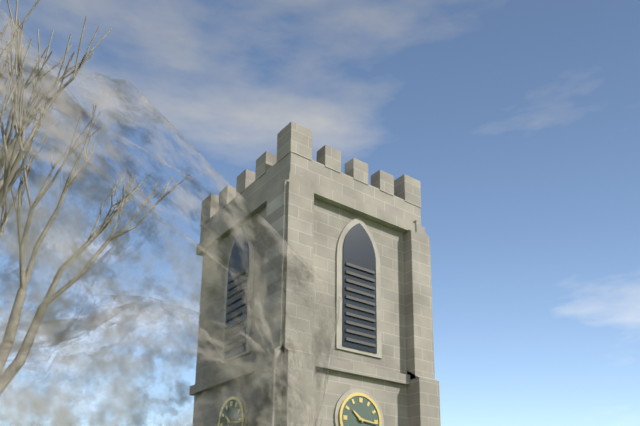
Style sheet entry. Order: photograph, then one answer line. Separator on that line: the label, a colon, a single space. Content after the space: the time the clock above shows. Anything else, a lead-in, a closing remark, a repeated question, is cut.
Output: 10:16
